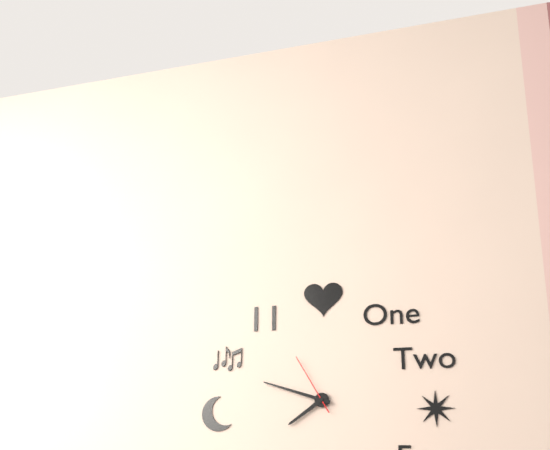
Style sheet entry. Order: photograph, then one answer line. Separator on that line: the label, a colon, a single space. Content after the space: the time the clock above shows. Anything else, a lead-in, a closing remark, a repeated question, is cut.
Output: 7:48:55
